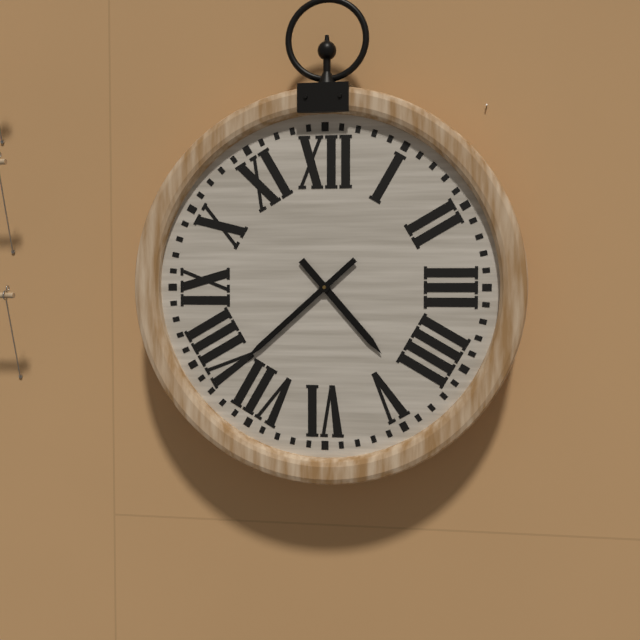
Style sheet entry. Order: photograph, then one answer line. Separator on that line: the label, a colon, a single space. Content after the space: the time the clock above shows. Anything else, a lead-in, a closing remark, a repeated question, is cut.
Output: 4:38
